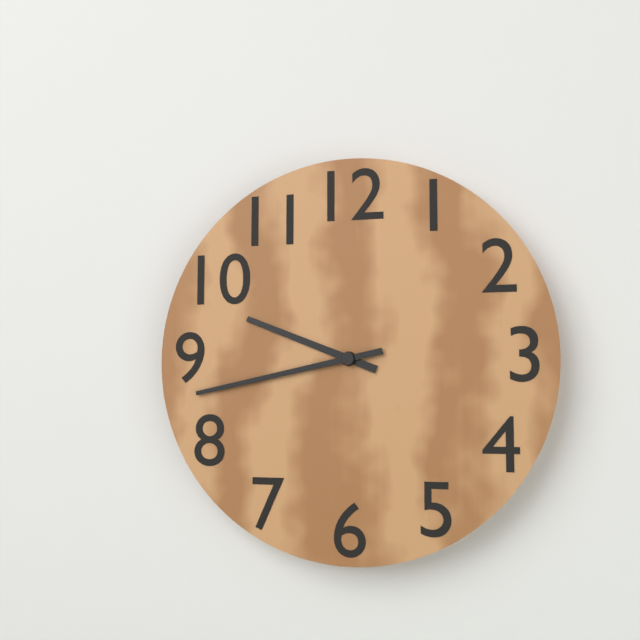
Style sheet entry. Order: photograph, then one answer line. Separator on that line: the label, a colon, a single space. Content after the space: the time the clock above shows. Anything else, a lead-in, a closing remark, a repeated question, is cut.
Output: 9:43
